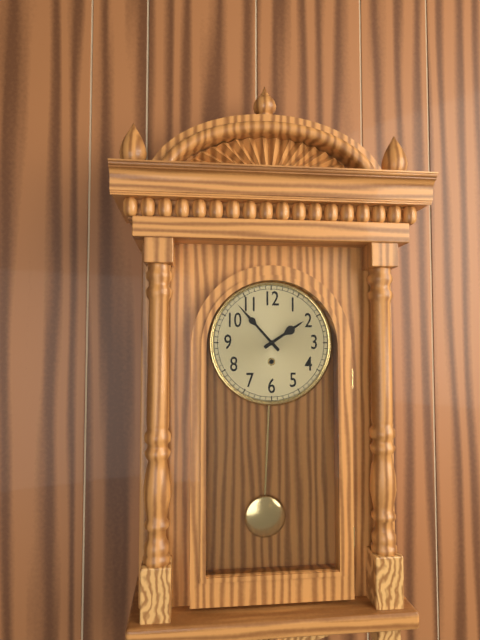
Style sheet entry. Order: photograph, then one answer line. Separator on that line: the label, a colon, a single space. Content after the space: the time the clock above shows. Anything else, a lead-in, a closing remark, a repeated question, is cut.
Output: 1:53
